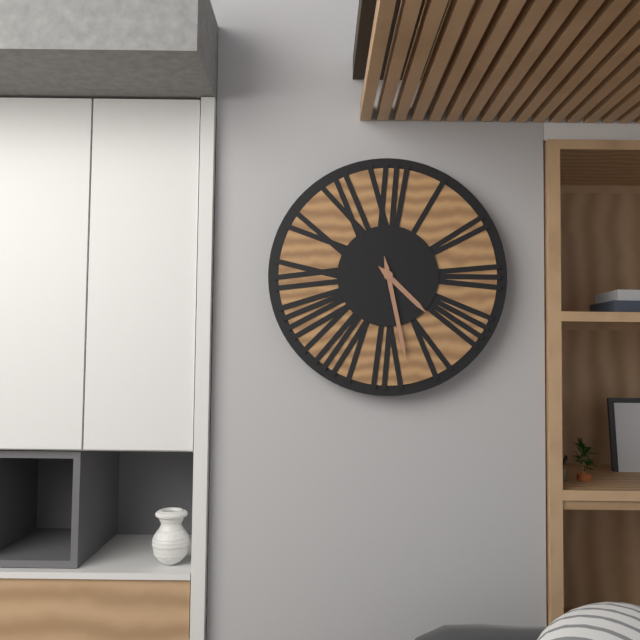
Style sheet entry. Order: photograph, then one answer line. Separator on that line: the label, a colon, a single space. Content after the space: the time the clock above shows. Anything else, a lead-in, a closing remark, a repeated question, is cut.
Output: 4:28
